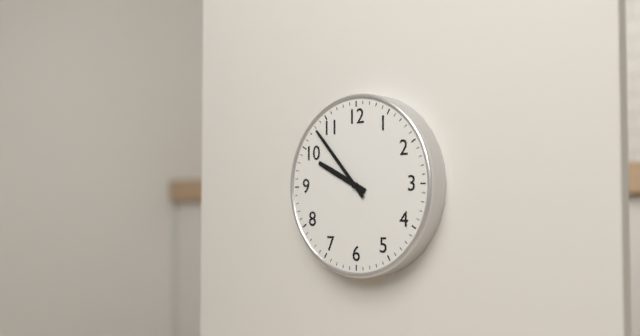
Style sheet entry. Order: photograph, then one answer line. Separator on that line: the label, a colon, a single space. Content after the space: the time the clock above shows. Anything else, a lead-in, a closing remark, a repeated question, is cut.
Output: 9:53
